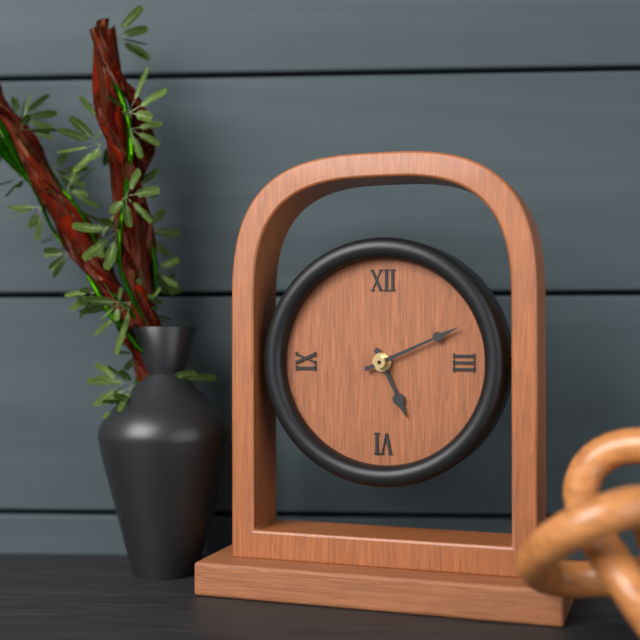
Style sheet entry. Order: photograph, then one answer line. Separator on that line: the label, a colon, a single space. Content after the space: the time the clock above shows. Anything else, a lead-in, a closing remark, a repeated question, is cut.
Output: 5:11
